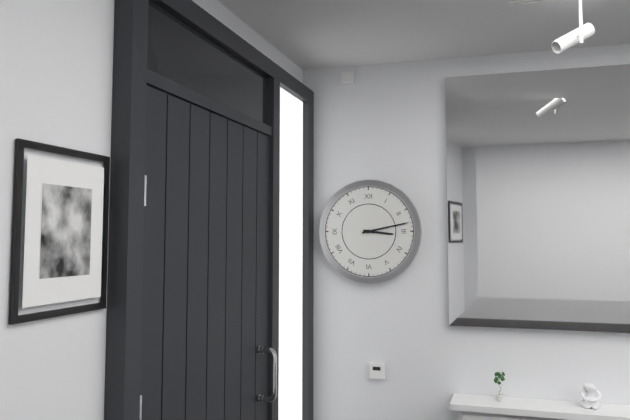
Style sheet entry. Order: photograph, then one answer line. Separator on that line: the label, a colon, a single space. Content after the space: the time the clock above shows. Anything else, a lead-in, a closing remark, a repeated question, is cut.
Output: 3:13
